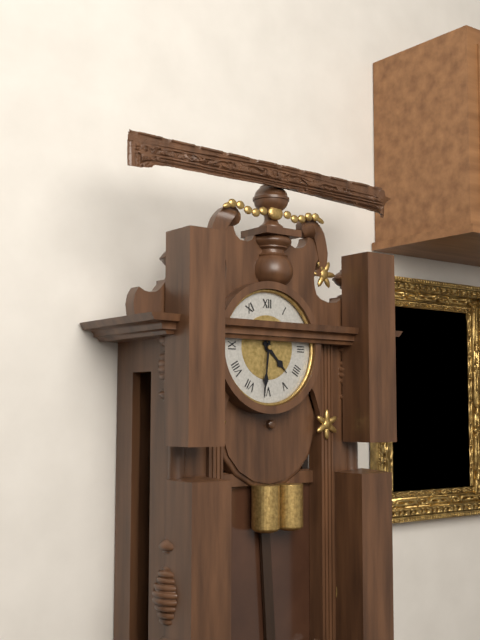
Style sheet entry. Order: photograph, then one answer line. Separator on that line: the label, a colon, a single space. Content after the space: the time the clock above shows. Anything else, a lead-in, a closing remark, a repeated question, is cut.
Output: 4:31
